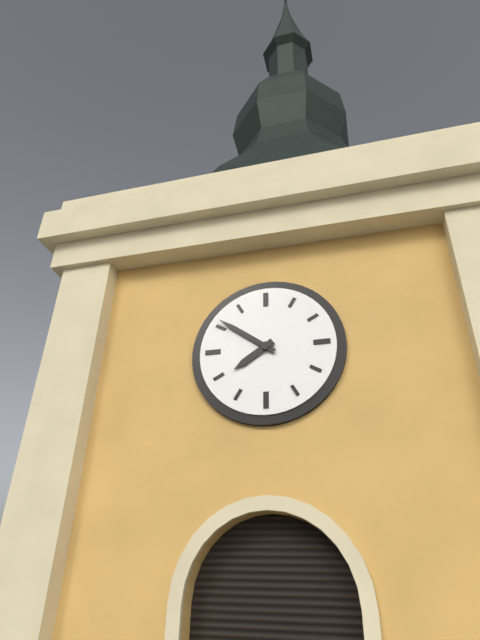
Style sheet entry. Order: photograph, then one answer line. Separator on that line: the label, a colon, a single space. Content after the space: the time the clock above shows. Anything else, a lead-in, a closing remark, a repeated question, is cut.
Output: 7:51
